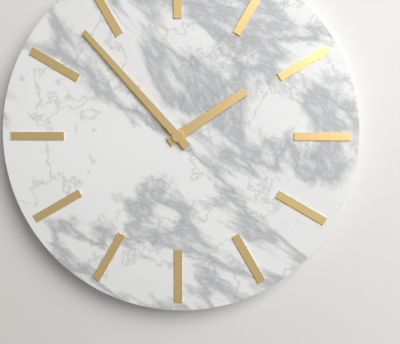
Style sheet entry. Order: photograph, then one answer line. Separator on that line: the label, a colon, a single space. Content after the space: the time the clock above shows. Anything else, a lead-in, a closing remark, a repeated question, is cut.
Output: 1:53
